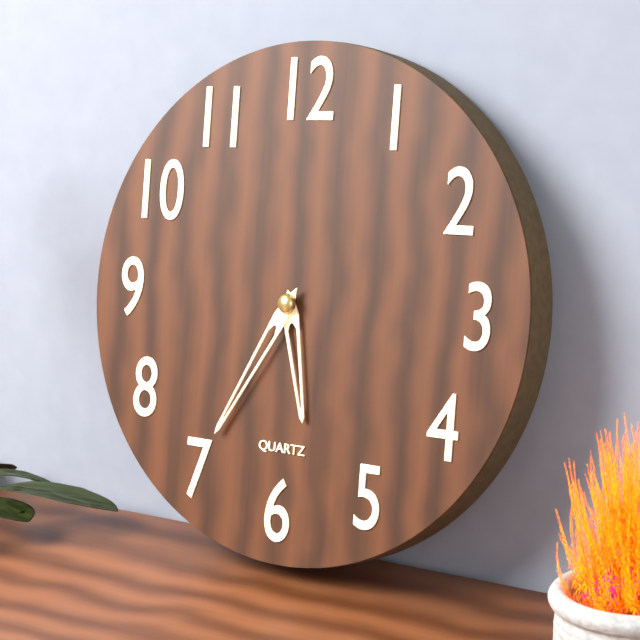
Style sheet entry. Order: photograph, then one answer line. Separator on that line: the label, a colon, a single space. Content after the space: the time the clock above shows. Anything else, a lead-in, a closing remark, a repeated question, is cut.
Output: 5:35
